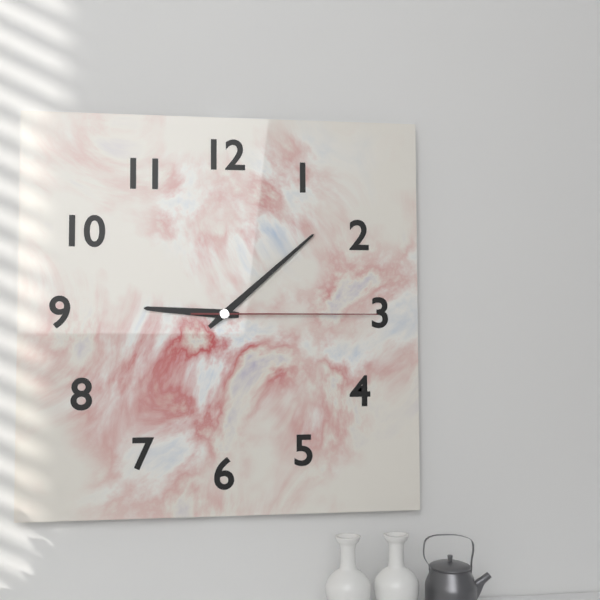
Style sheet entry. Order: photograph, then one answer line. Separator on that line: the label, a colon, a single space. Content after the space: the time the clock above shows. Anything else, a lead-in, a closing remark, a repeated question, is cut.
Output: 9:08:15
